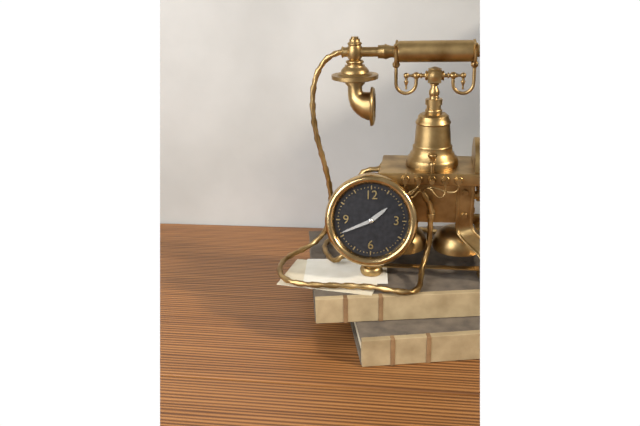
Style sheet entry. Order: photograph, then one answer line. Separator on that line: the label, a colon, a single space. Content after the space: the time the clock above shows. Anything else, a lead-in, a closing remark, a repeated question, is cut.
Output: 1:41
